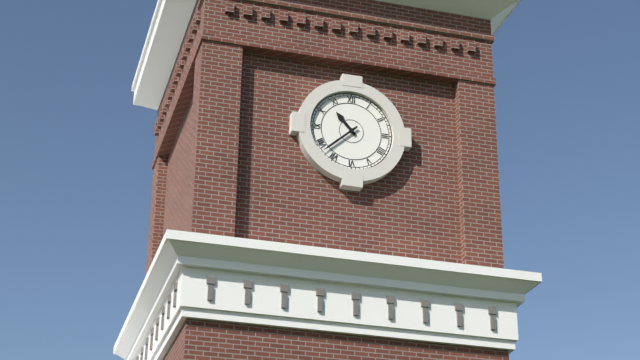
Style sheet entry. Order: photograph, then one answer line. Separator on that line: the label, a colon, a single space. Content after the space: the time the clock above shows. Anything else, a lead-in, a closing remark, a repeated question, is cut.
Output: 10:38
